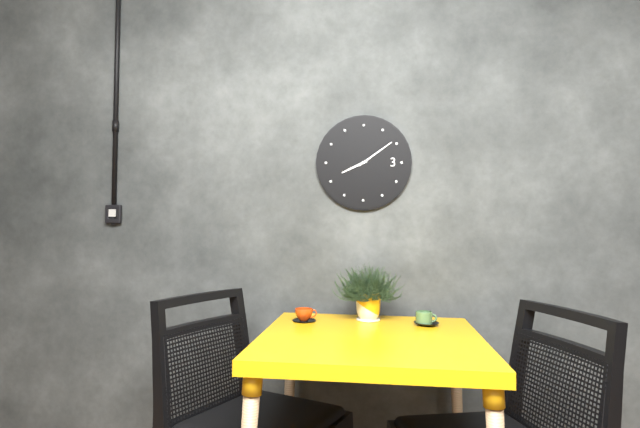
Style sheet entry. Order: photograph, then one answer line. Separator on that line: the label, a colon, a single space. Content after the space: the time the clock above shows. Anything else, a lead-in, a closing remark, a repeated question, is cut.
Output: 8:09
